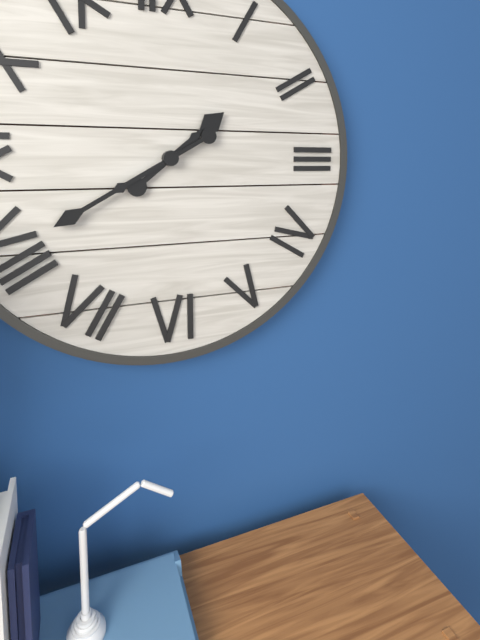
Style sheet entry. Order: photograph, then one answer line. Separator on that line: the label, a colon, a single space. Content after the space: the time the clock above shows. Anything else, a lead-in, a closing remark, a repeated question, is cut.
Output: 1:40
